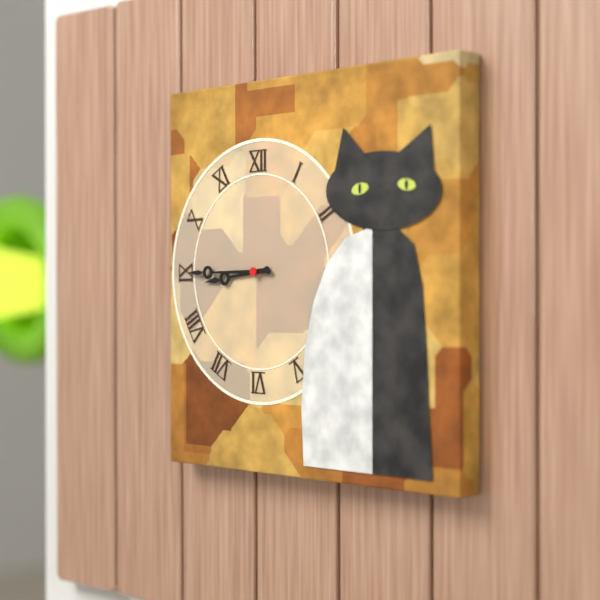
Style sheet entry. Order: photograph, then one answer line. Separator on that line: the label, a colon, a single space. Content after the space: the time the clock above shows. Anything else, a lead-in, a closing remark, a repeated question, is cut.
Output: 8:45
